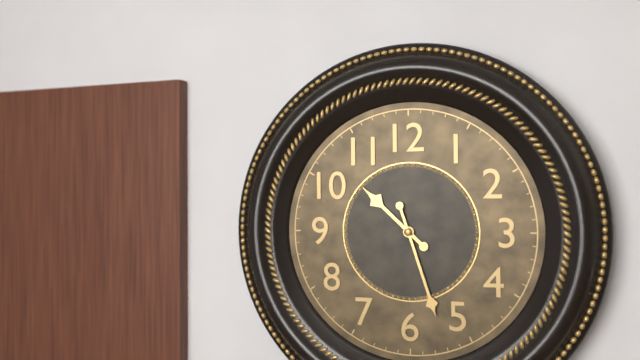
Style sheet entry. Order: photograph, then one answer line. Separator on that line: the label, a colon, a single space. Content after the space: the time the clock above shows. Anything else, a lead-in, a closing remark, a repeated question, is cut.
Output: 10:27
